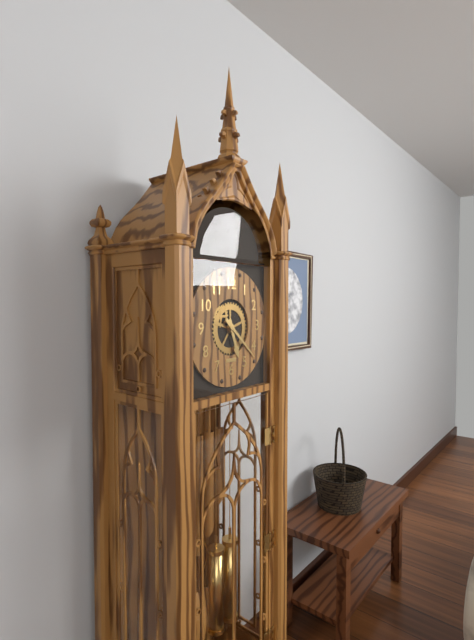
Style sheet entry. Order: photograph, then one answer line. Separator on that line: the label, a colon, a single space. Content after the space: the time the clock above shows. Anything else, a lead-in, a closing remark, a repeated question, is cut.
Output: 5:22
